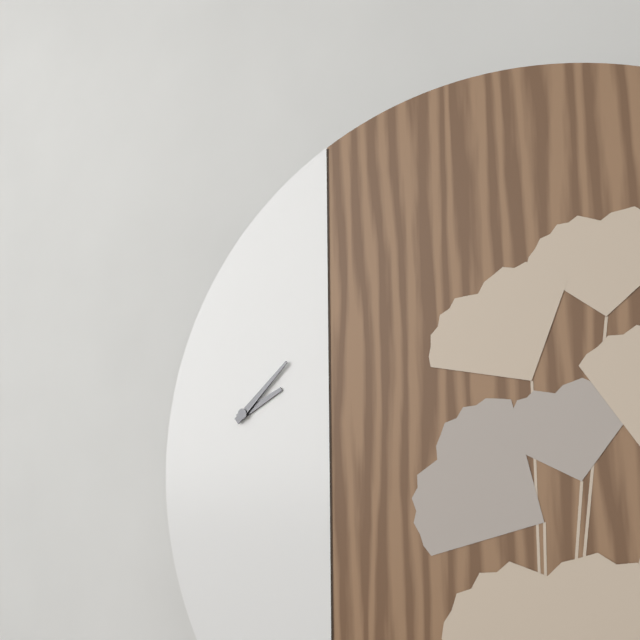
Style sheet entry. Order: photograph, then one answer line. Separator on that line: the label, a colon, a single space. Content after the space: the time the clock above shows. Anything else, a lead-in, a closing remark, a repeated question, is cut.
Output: 2:08
